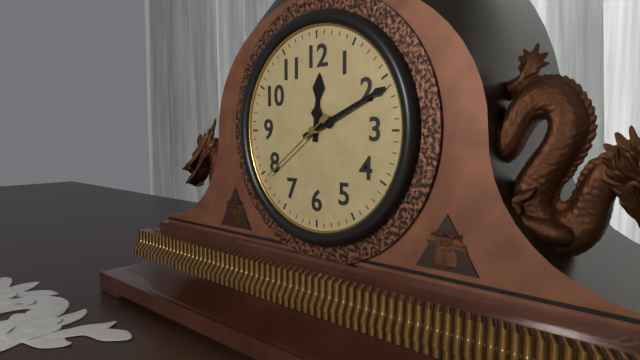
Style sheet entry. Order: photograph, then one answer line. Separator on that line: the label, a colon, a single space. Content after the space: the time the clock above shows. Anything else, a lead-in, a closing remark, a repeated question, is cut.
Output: 12:11:39
